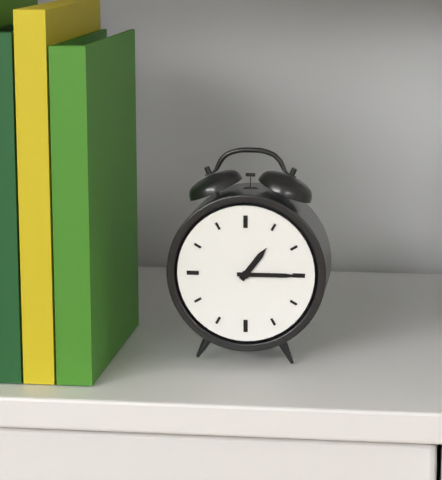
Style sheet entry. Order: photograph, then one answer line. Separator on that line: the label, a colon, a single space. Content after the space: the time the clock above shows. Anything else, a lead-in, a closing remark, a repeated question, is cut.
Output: 1:15
